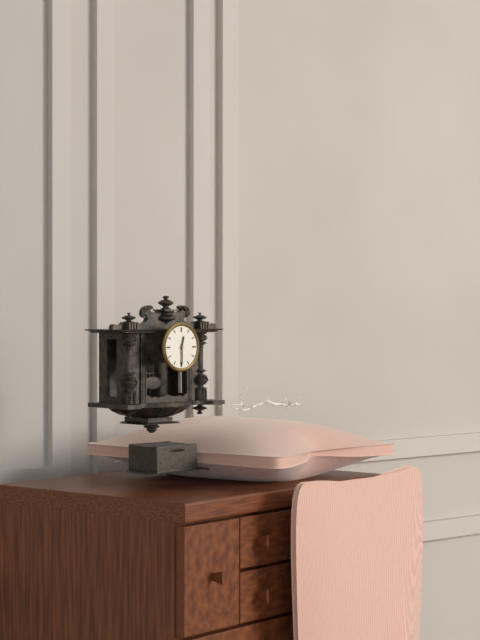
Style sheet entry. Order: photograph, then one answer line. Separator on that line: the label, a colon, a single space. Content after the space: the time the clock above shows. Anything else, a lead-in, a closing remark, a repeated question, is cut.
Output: 12:30
